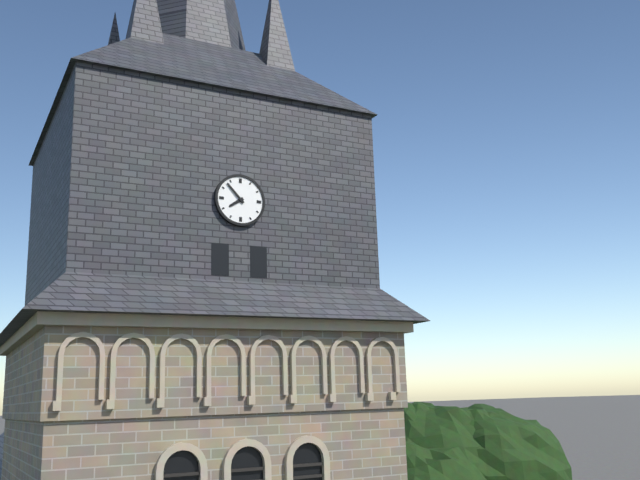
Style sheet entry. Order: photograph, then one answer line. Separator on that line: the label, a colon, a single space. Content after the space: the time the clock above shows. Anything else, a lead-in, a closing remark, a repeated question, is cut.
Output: 7:53
